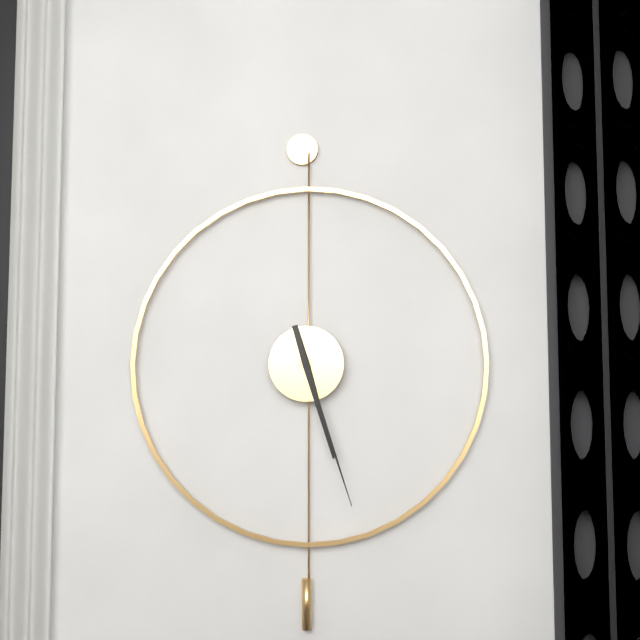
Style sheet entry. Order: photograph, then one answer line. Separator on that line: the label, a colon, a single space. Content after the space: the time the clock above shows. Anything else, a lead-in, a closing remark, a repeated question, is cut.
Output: 5:27
